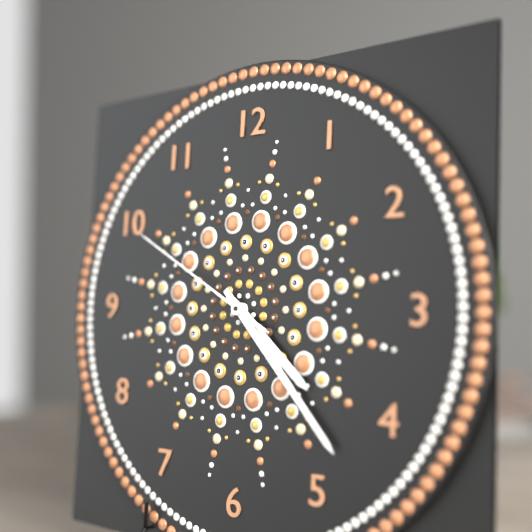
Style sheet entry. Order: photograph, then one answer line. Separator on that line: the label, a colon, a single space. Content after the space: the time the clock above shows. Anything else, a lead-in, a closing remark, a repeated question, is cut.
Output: 4:23:50
